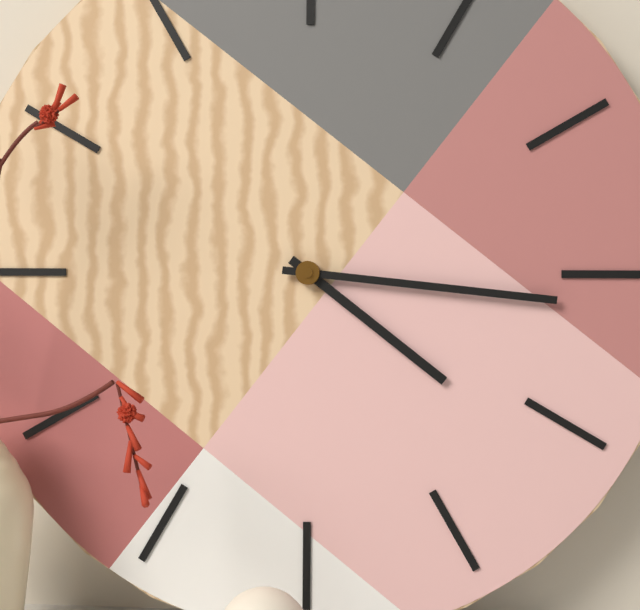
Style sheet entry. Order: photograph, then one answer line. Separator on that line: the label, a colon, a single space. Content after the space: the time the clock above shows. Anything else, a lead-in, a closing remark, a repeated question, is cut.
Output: 4:16
